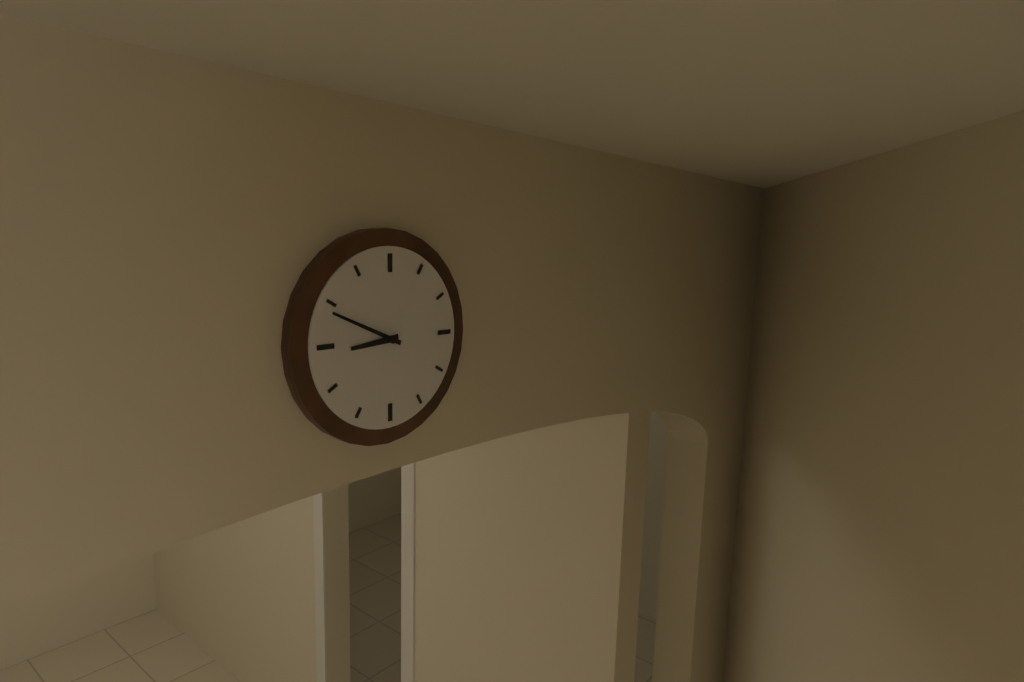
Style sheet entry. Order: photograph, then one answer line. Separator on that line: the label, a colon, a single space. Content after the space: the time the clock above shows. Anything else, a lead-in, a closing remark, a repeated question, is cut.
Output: 8:49
